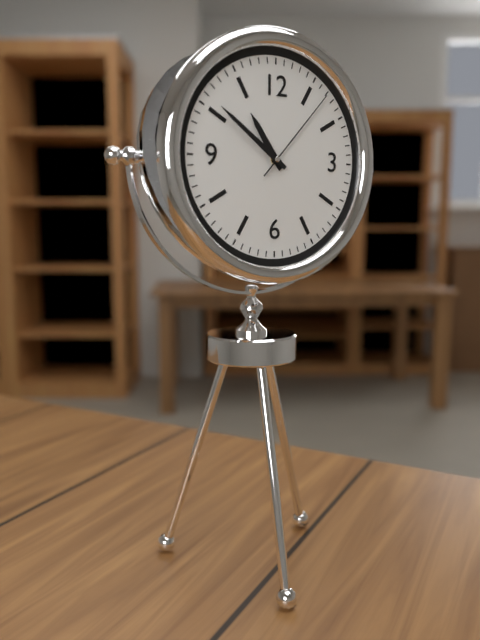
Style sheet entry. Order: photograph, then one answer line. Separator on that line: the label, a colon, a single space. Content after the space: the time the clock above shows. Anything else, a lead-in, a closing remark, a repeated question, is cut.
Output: 10:51:07
